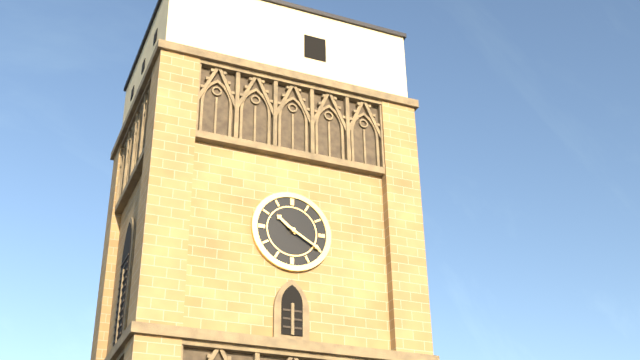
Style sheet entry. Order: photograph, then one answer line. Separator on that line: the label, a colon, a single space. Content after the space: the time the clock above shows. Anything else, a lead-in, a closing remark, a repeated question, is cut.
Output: 10:20
